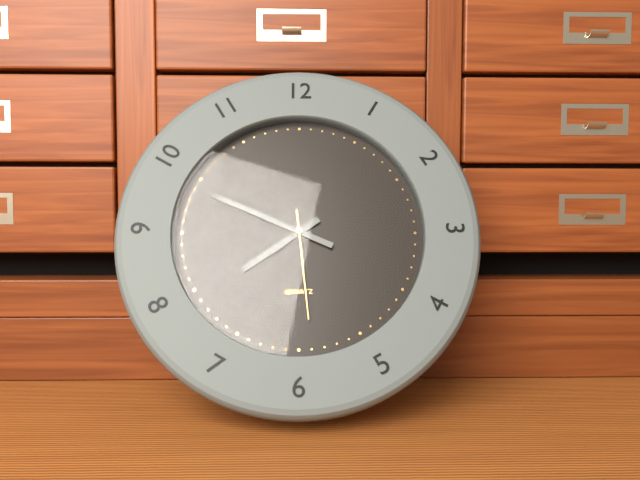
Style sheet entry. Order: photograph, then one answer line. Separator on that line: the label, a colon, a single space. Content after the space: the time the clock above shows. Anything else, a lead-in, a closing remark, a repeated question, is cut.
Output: 7:49:29
